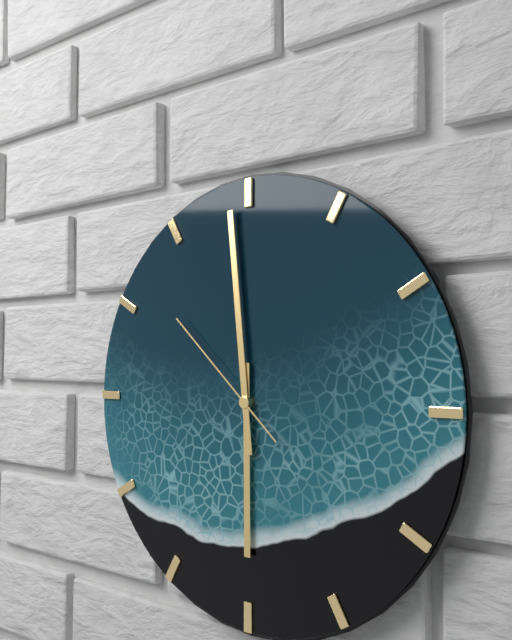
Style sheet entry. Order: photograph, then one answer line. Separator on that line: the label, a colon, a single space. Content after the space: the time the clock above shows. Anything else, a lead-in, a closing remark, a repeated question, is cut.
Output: 5:59:52
